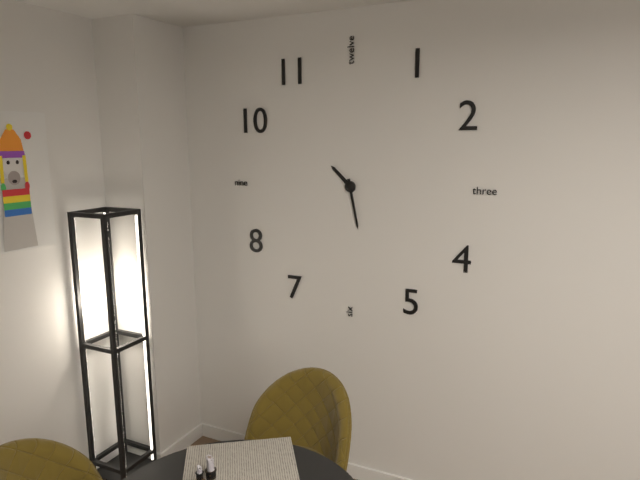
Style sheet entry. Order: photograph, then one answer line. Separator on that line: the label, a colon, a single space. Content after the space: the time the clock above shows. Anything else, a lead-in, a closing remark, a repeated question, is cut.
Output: 10:28
